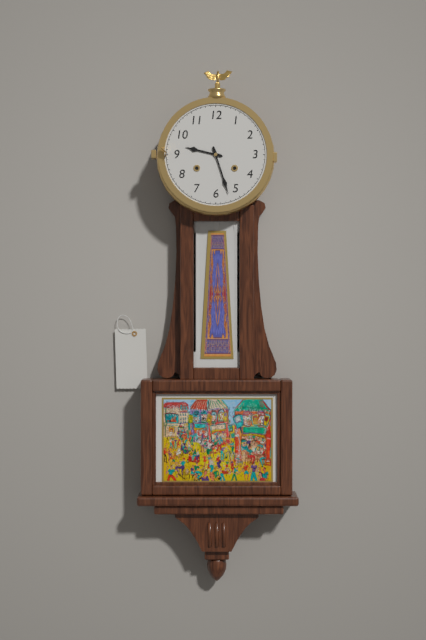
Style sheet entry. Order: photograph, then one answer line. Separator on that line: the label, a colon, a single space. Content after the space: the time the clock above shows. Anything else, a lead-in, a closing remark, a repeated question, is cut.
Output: 9:27
